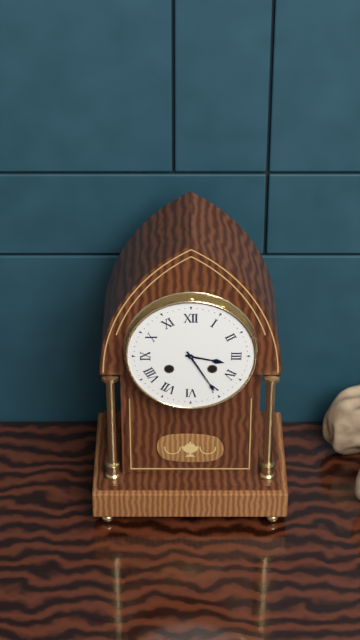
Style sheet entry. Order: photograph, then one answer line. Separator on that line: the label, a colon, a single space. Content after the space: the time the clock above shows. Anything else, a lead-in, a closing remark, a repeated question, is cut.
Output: 3:25
